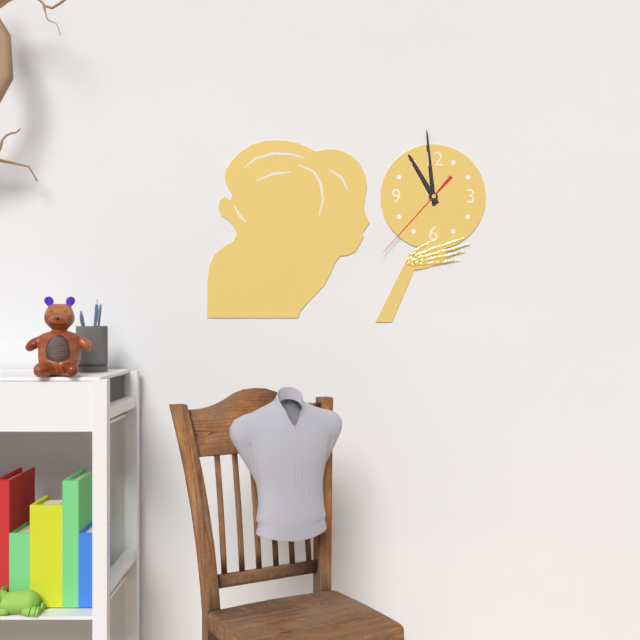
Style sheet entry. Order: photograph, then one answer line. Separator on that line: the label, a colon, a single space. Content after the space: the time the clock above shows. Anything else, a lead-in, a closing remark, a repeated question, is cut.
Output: 10:59:37
